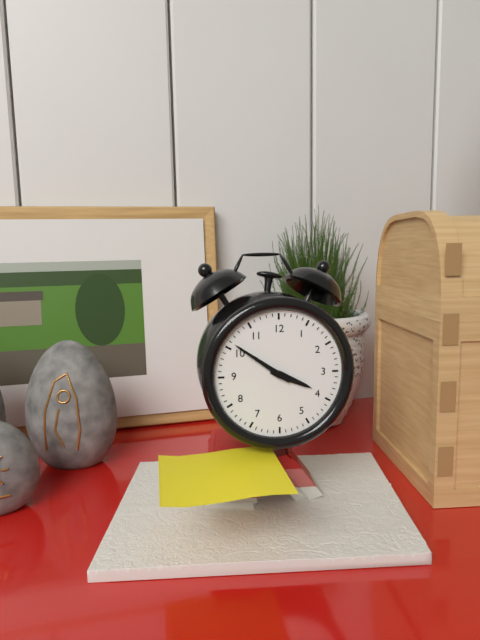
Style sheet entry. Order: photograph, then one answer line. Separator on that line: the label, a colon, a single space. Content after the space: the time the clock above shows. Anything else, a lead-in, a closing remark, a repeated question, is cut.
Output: 3:51
